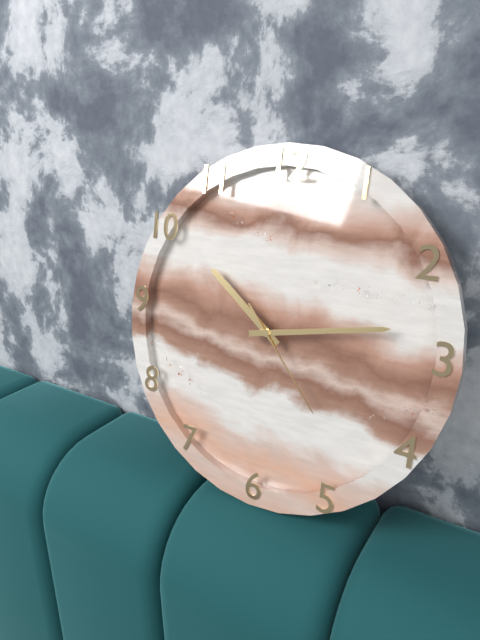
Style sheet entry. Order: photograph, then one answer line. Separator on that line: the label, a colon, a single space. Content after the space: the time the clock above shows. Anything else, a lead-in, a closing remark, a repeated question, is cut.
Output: 10:13:23
